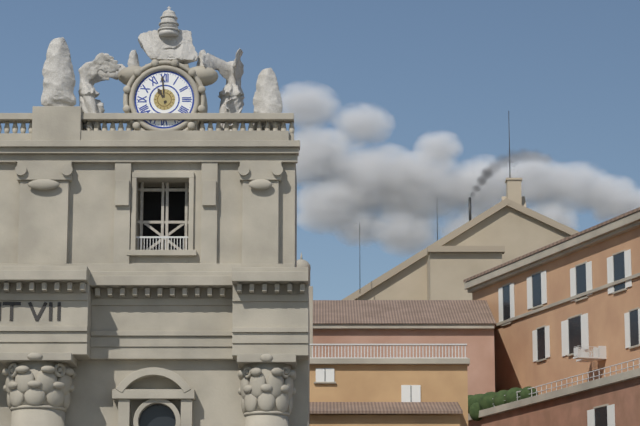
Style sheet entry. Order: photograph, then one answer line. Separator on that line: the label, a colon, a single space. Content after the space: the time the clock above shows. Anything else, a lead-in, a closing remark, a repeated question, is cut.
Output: 10:59
